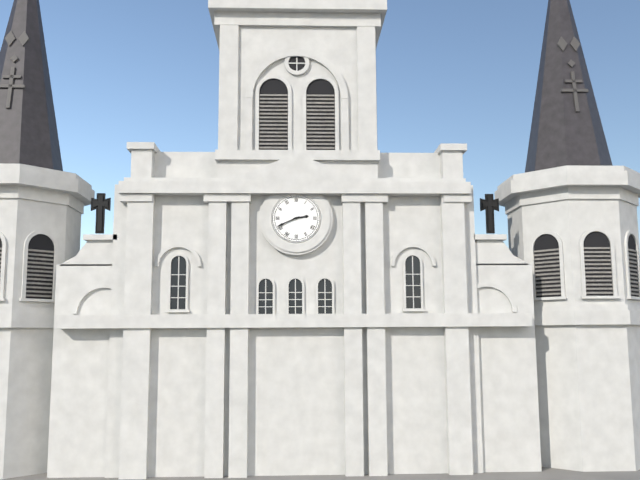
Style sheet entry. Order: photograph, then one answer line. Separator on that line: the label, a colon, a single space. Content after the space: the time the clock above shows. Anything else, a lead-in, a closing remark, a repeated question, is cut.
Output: 2:41
